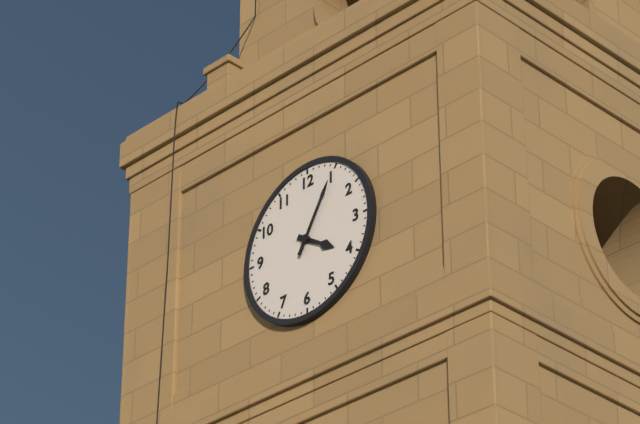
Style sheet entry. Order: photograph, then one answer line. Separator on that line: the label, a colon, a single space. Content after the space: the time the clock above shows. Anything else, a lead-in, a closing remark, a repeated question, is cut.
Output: 4:05
